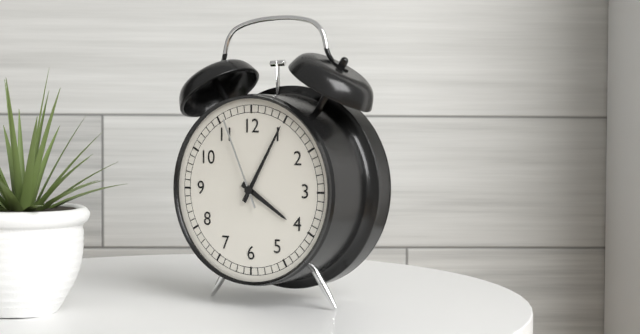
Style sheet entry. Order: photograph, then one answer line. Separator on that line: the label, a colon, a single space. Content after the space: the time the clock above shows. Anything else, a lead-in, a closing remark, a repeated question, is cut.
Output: 4:05:56
